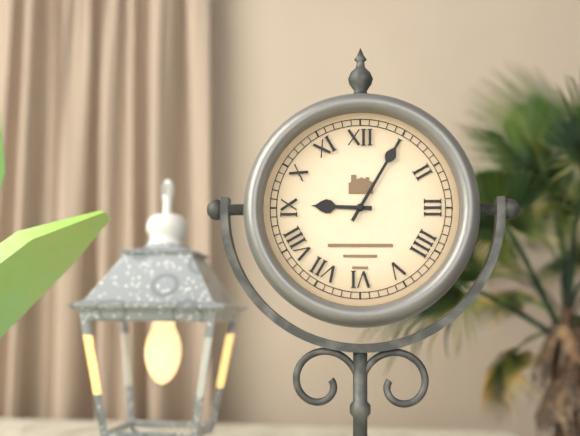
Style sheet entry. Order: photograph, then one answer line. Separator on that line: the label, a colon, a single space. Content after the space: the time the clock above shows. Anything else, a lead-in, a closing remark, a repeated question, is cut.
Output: 9:05
